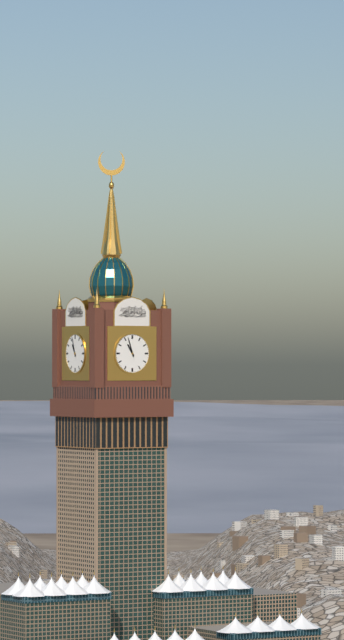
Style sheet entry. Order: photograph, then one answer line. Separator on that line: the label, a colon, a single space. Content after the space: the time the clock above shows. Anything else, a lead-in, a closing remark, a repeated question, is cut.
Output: 10:57
